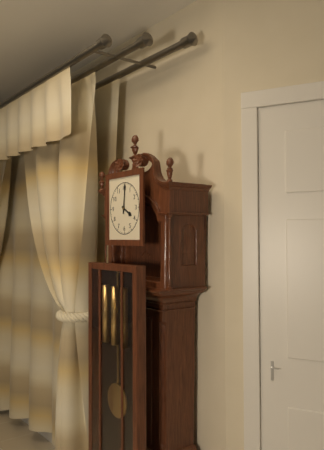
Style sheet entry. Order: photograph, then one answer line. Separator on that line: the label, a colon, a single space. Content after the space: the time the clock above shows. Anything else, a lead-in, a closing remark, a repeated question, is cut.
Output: 4:01
